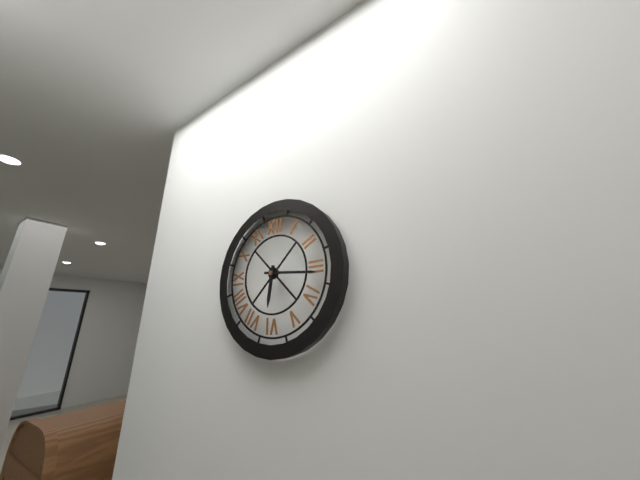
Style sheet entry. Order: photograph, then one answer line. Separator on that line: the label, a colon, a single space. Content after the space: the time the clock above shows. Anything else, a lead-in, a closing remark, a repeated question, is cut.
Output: 6:16
